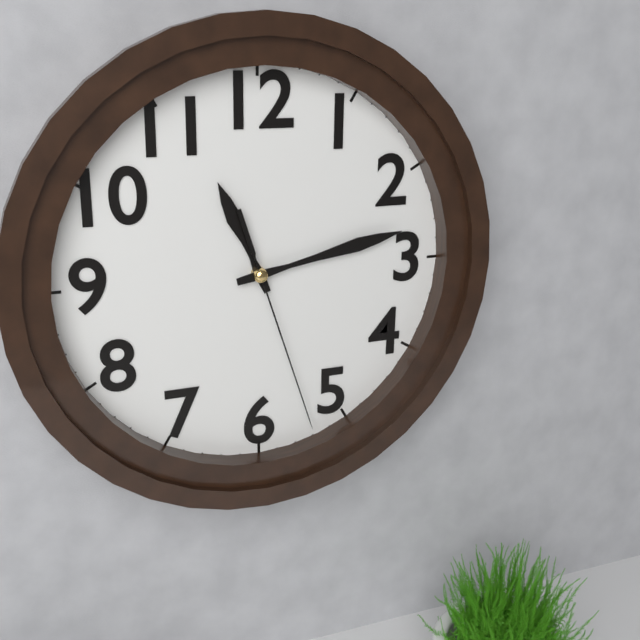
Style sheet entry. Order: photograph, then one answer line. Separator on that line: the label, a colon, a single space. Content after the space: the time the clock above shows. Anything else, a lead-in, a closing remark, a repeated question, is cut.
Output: 11:13:27
